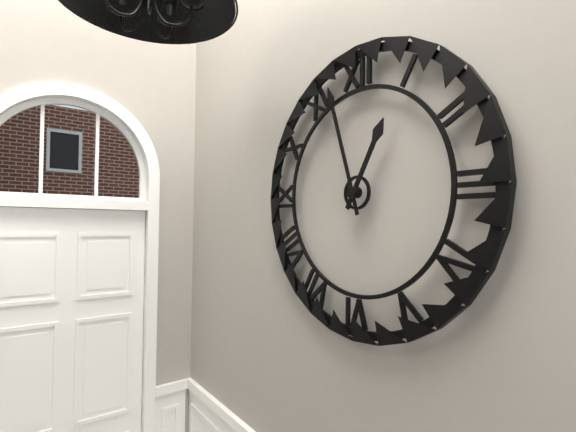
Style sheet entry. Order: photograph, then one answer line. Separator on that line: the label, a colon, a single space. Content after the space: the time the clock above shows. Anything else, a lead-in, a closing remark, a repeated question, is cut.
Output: 12:57
